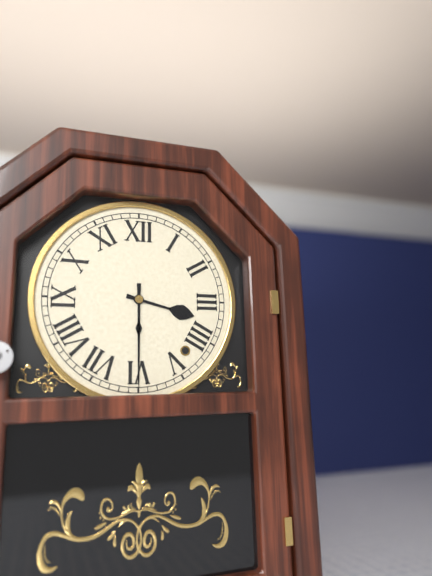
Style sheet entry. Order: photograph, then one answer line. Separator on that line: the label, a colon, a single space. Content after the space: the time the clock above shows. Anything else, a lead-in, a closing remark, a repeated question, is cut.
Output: 3:30
